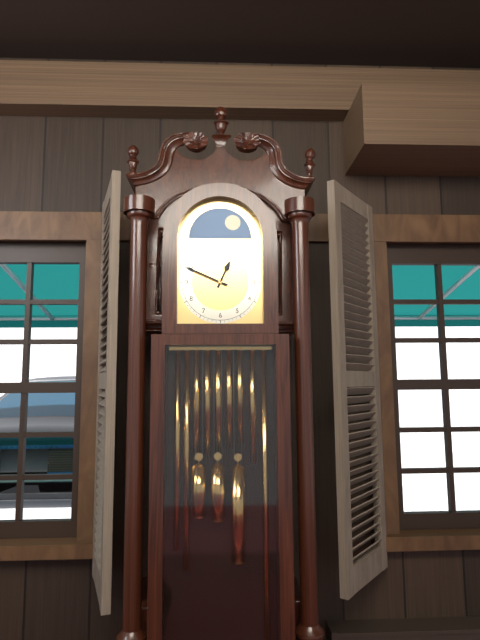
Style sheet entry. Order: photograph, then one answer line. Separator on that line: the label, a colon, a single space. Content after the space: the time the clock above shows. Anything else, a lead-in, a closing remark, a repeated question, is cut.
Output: 12:49
